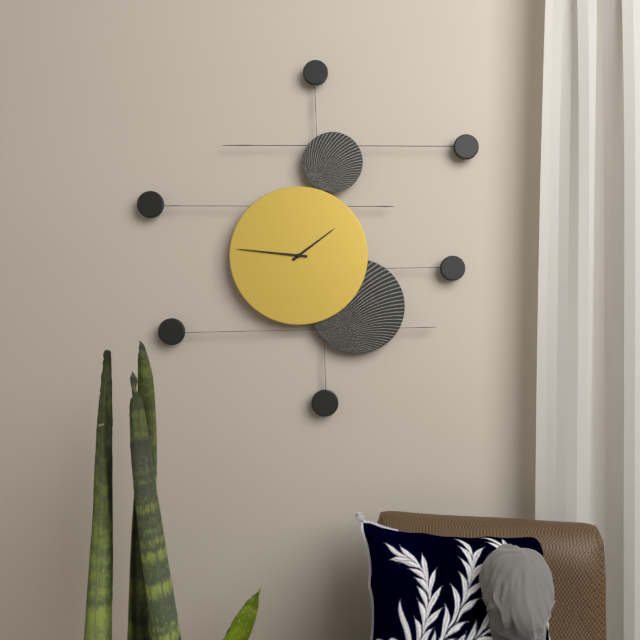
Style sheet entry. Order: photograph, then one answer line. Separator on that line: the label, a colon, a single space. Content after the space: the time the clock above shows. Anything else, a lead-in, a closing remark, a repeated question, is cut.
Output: 1:46
